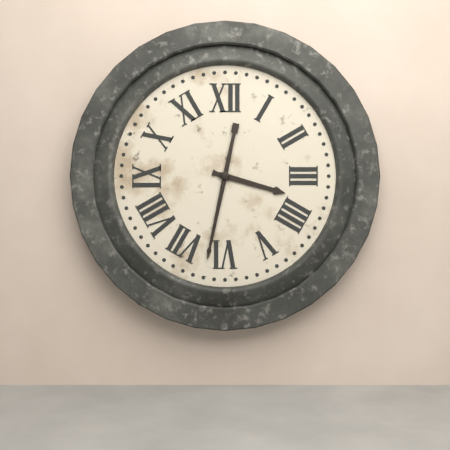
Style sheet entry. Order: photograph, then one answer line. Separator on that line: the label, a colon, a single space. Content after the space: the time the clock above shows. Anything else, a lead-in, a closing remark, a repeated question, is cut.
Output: 3:32
